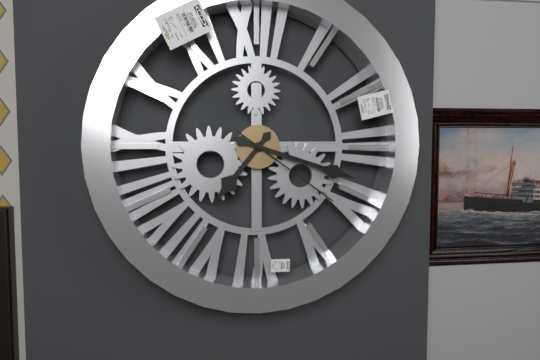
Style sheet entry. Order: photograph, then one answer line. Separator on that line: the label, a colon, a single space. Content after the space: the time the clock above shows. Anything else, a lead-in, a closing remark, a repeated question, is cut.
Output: 7:18:21
